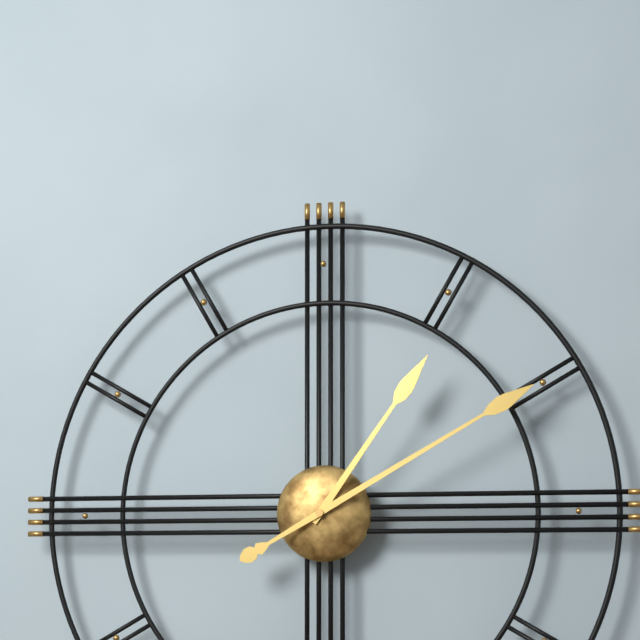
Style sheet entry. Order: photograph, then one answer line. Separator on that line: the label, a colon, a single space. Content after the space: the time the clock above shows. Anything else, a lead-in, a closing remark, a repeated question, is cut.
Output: 1:10
